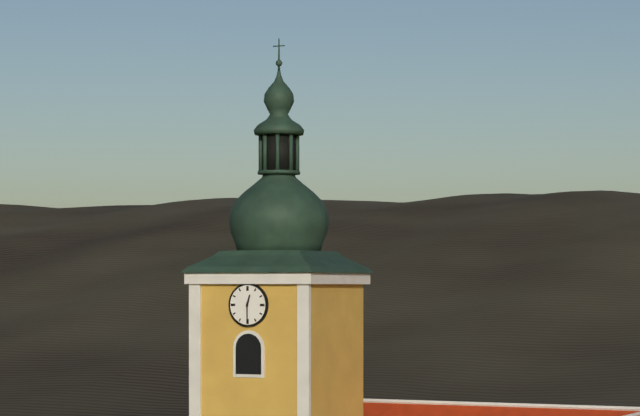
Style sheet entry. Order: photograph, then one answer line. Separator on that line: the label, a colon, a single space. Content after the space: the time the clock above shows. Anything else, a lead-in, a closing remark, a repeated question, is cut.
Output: 12:30
